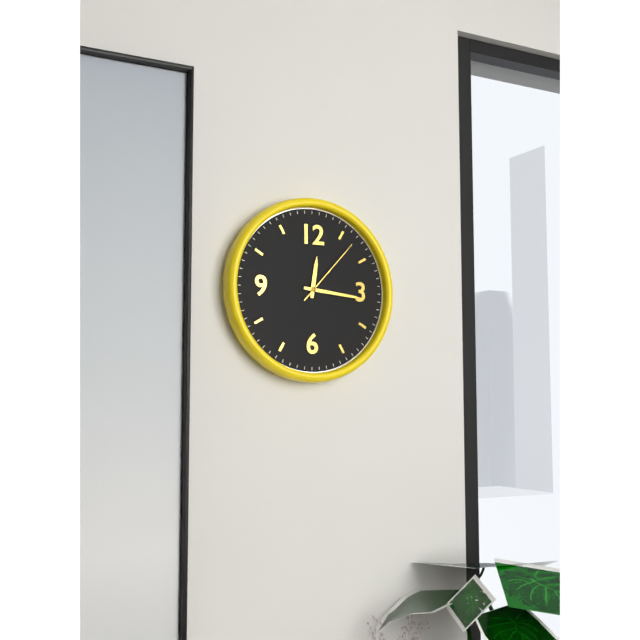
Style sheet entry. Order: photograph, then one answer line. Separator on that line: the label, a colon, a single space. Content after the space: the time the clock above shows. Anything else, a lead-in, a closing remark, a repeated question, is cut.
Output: 12:16:07
